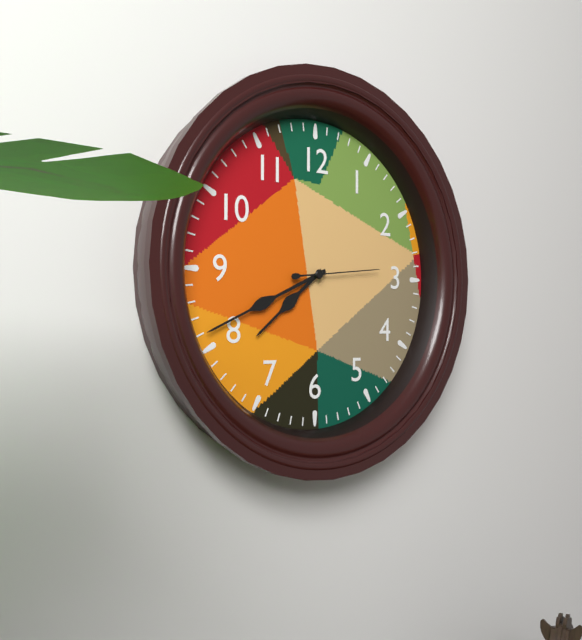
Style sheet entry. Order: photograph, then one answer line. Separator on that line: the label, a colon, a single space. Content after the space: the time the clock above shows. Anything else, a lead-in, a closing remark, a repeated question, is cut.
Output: 7:41:14
